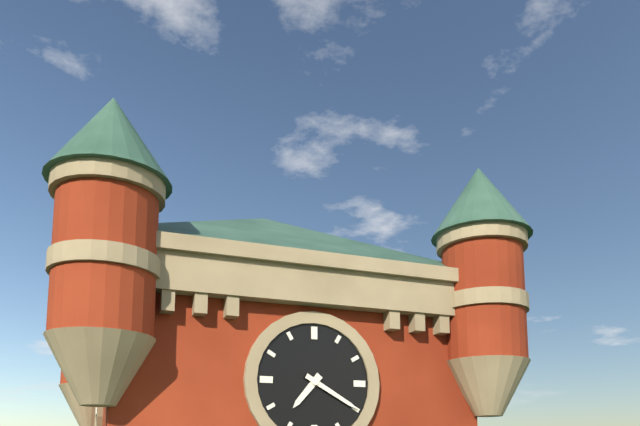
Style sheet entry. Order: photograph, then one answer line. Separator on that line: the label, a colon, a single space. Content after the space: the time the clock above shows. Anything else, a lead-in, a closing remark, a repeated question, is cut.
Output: 7:20
